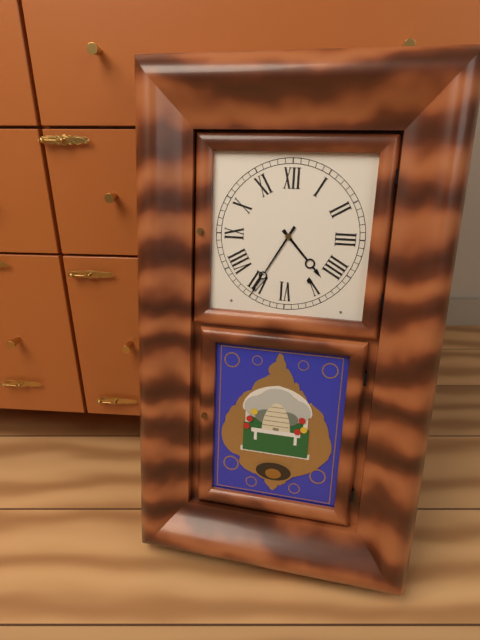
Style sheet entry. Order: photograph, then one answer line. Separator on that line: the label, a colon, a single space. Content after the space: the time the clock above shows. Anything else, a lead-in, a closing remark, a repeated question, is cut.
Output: 4:35
